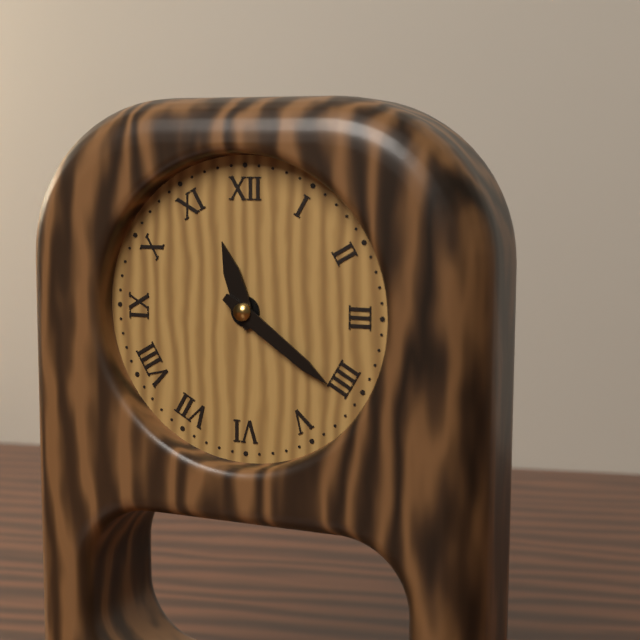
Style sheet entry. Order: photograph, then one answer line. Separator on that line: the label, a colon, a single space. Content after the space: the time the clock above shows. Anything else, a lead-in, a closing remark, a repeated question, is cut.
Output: 11:21
